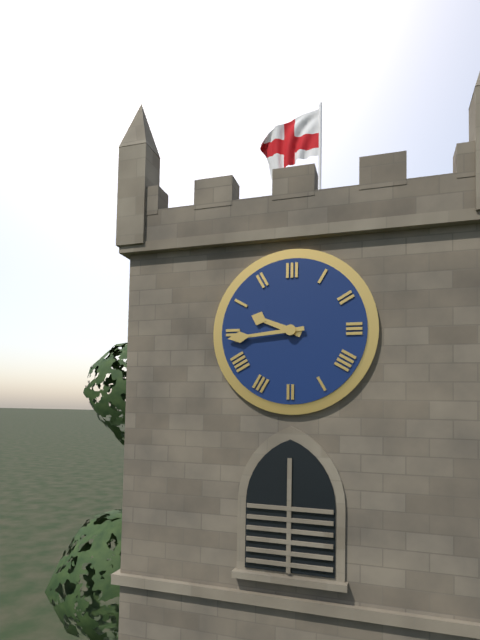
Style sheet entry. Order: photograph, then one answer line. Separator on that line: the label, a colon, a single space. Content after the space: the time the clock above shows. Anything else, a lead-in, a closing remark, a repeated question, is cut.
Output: 9:44
